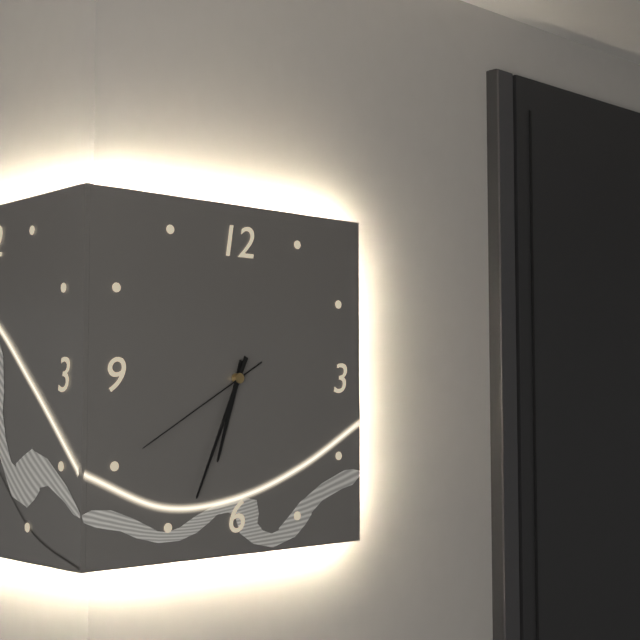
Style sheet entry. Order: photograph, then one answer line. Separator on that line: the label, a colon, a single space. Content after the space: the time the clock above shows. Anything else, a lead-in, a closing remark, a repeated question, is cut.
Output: 6:34:40
